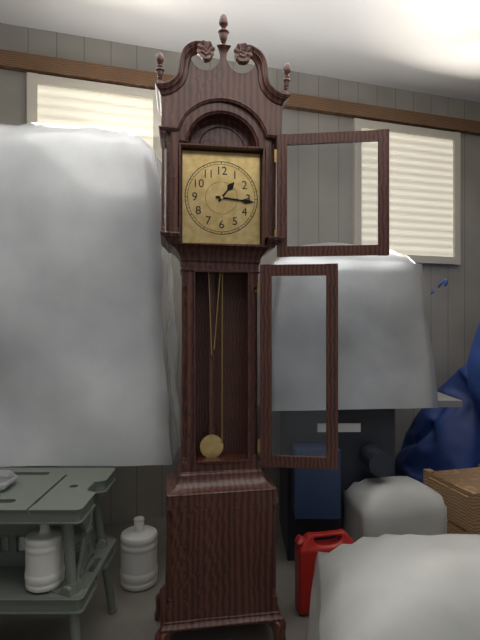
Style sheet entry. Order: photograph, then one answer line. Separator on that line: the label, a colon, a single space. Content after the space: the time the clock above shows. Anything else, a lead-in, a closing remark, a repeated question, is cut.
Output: 1:16
